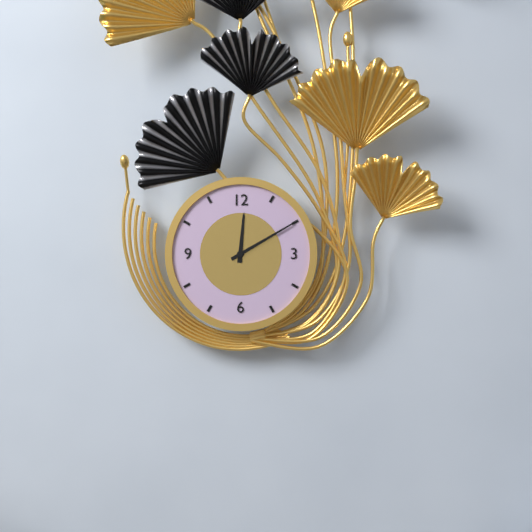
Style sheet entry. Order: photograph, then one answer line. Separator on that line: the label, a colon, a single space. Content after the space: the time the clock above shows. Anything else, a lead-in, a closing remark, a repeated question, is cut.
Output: 12:10
